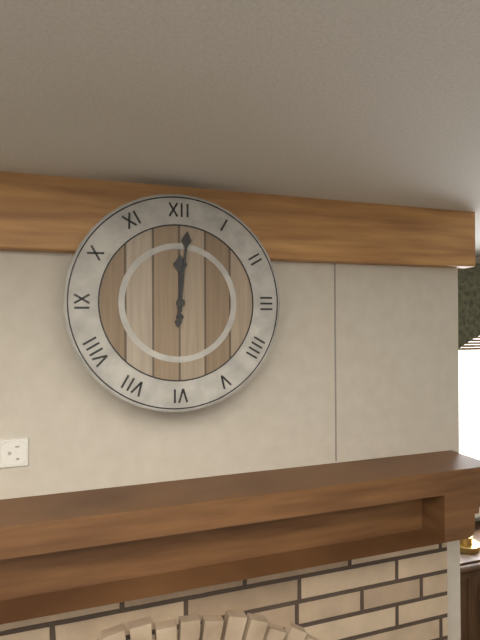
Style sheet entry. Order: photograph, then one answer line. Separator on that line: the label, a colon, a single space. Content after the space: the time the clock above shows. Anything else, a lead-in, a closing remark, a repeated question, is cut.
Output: 12:01
